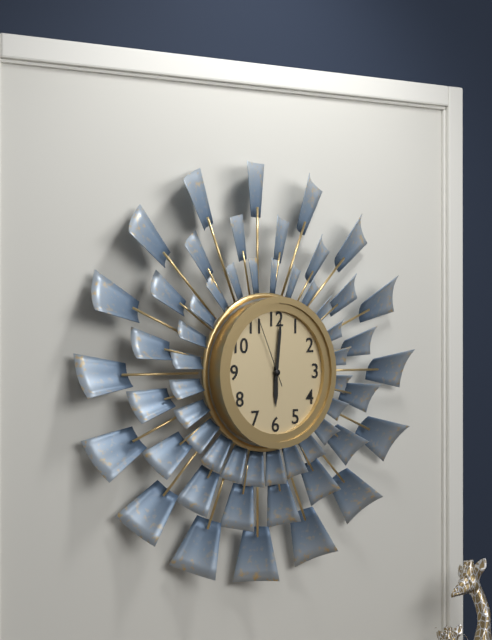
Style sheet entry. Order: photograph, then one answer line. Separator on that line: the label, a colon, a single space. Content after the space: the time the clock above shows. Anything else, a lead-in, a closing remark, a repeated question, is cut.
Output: 6:01:56
